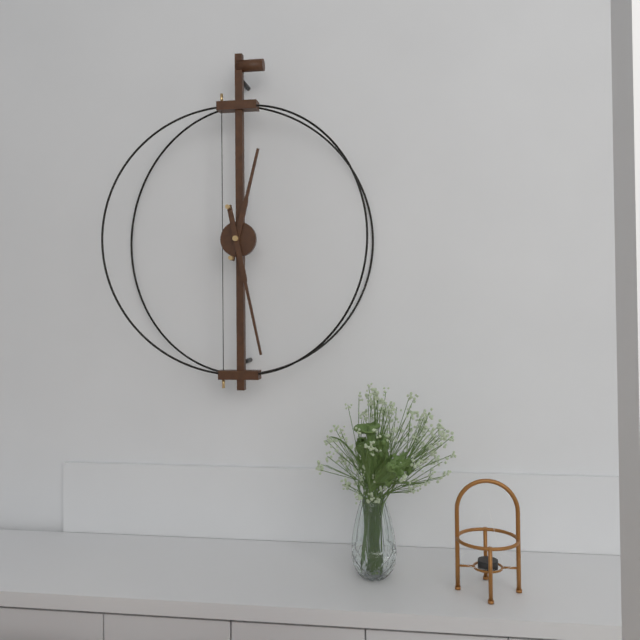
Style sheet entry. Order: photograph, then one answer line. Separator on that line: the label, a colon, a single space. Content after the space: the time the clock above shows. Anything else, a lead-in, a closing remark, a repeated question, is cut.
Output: 12:28
